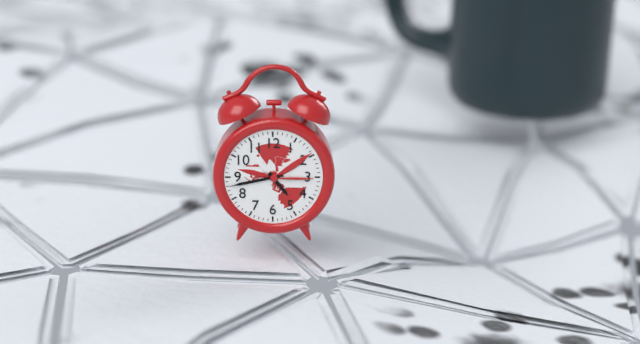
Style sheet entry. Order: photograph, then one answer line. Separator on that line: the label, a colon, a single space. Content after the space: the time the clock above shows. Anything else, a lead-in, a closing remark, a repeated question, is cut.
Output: 4:43:43
